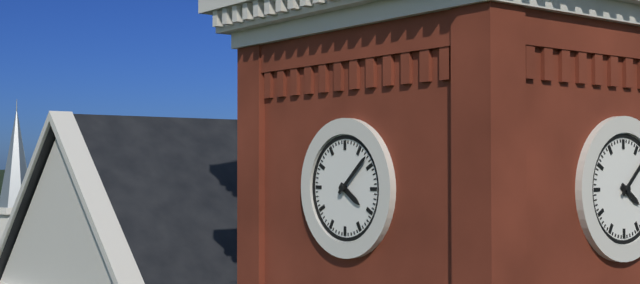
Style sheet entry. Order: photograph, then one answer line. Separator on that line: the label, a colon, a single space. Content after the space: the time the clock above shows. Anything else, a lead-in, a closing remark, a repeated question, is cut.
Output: 4:08
